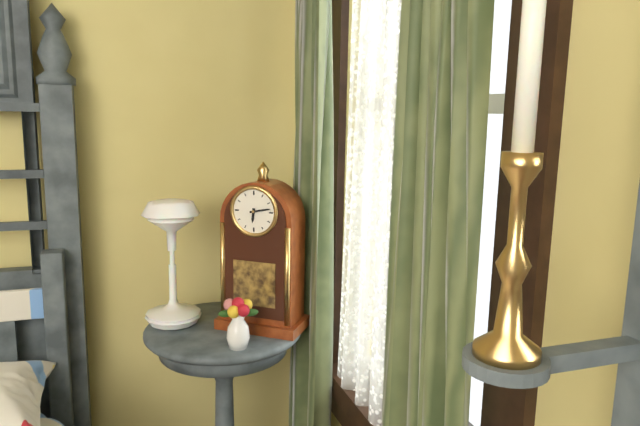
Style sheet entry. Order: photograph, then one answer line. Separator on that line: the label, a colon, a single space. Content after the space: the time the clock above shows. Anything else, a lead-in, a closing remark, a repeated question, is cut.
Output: 6:13
